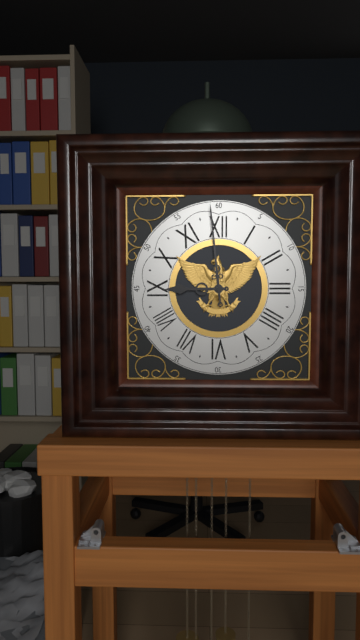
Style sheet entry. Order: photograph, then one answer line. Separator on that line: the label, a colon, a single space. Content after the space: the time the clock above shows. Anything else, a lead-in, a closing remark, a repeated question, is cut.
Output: 8:59
